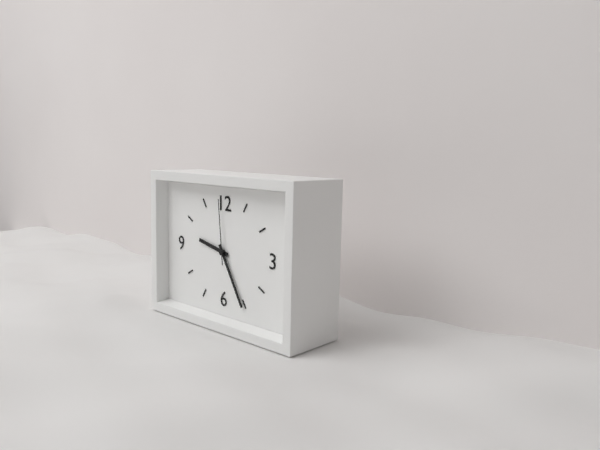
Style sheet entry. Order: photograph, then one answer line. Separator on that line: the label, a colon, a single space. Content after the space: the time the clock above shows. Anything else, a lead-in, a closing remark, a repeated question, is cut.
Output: 9:25:59
